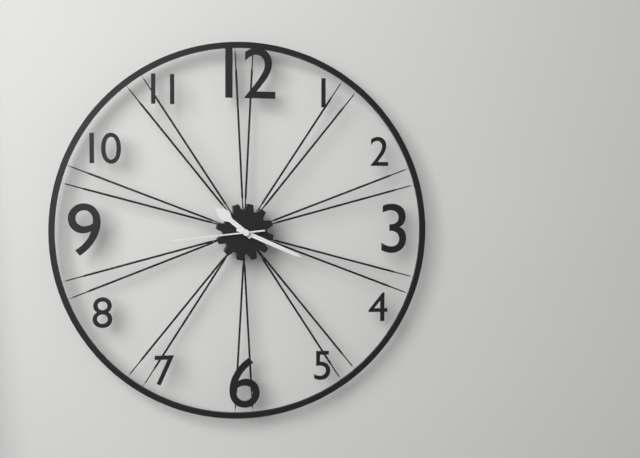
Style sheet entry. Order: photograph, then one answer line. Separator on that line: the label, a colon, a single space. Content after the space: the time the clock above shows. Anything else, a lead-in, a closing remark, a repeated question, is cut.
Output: 10:19:44
